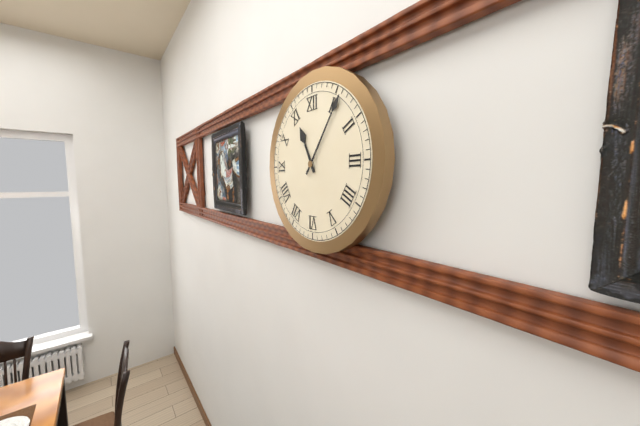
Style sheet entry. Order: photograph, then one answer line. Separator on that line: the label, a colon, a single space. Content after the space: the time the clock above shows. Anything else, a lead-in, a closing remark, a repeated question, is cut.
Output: 11:06
